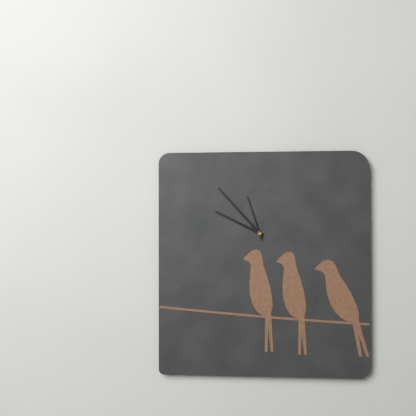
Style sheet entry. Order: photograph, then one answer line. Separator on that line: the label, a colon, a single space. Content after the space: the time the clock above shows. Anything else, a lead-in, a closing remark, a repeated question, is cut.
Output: 9:53
